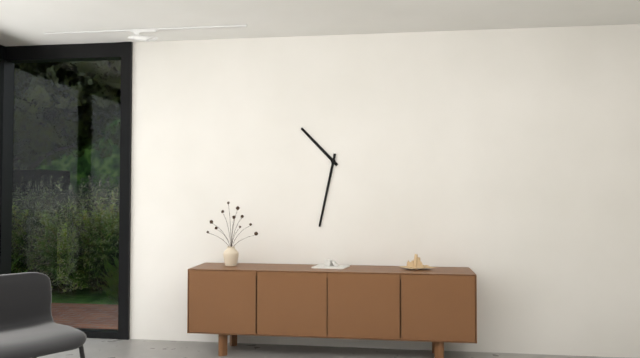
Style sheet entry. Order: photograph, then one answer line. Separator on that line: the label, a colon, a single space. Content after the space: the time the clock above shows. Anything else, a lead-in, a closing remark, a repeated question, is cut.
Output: 10:32
